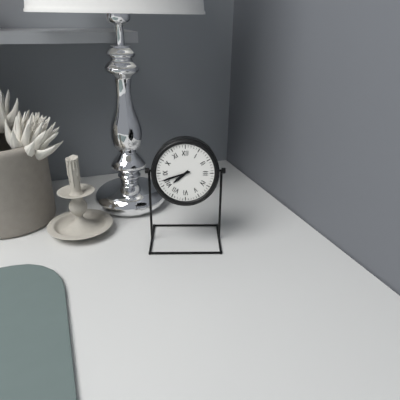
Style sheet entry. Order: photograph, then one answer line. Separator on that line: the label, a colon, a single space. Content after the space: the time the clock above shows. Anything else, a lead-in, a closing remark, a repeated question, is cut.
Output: 7:42
